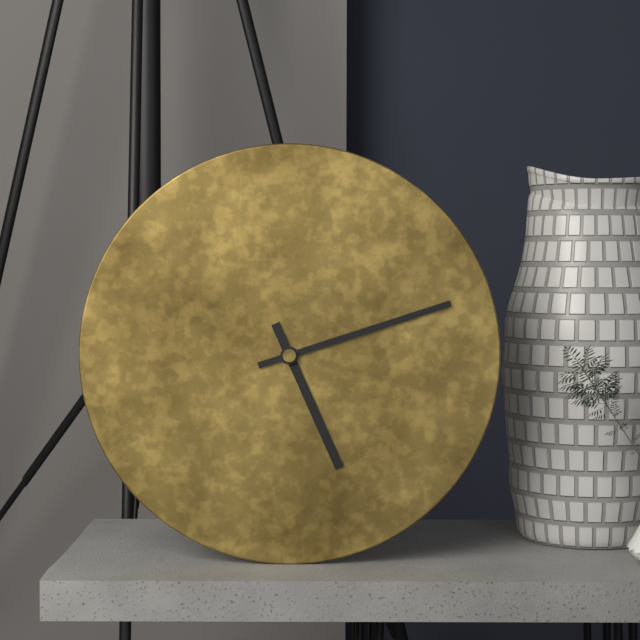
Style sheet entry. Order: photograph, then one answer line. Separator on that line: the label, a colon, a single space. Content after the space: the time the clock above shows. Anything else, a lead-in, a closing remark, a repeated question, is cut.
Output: 5:12
